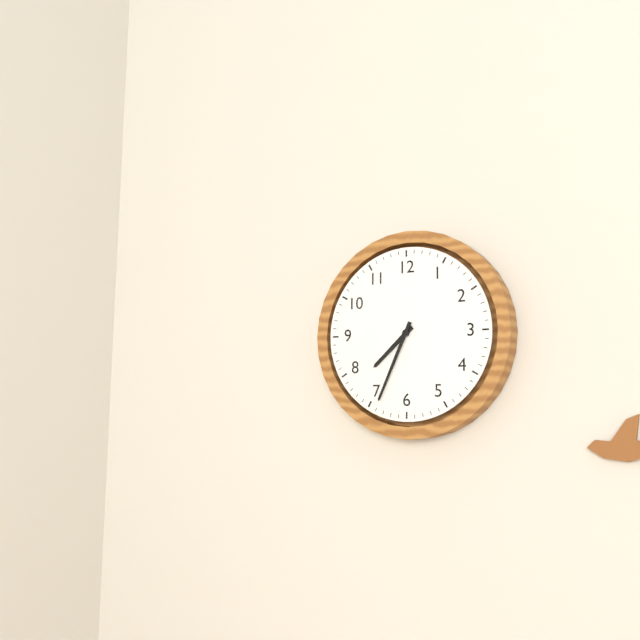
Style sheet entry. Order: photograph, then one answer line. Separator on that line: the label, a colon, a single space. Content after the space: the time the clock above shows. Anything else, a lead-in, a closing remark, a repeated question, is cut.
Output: 7:34
